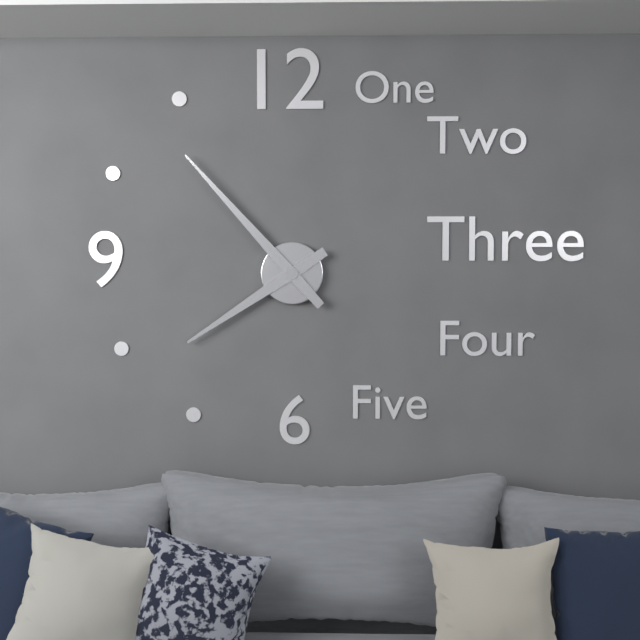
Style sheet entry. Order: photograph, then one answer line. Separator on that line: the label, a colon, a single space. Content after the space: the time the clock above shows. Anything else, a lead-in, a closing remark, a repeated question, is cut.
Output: 7:53
